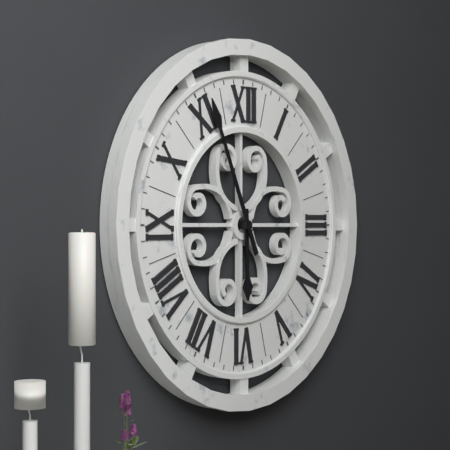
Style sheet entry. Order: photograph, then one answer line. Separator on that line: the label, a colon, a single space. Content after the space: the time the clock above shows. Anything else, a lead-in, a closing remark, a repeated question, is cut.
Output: 5:56
